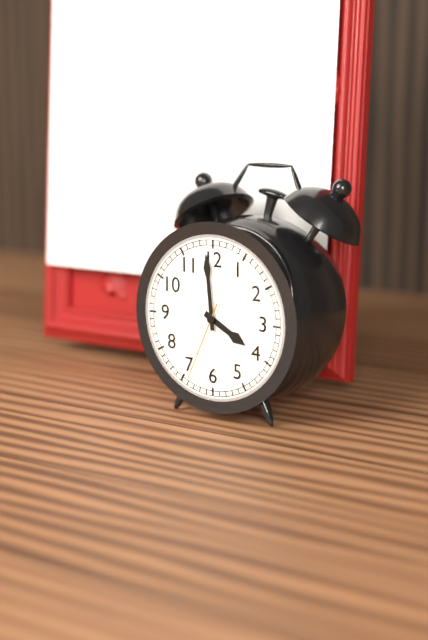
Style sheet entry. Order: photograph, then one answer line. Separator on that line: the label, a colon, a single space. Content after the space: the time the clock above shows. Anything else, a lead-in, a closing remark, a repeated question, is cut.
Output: 3:59:34
